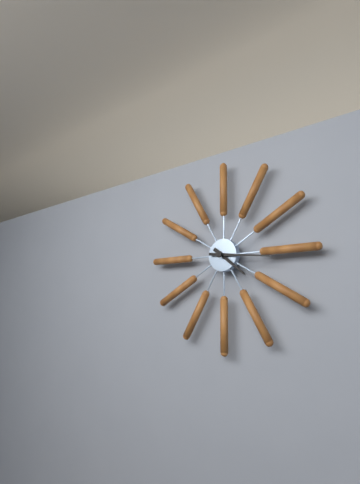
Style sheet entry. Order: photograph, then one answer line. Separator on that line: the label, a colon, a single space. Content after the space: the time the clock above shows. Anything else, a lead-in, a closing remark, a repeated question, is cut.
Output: 4:16
